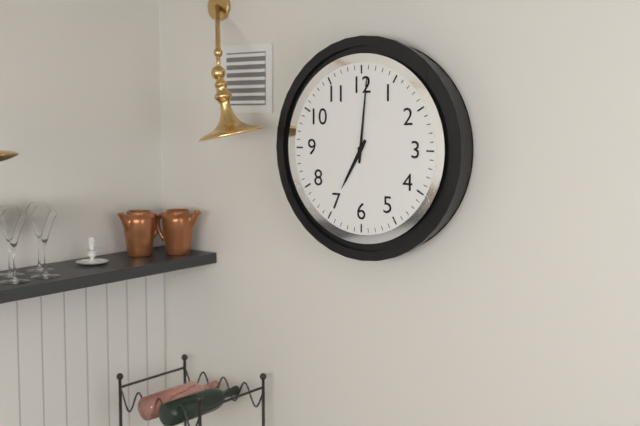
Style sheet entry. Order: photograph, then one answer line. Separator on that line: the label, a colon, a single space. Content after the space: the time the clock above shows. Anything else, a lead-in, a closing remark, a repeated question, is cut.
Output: 7:01
